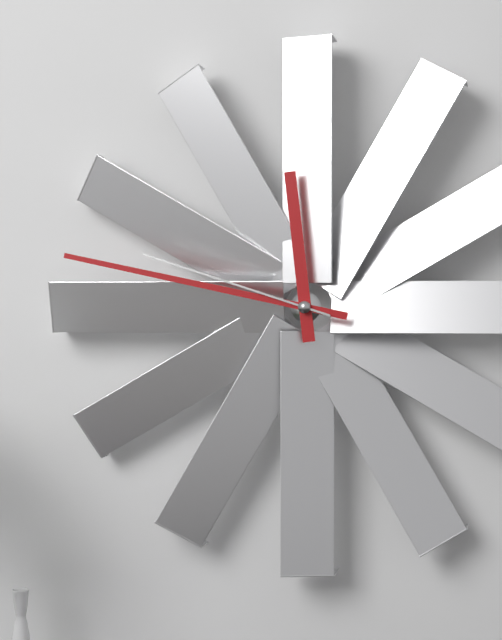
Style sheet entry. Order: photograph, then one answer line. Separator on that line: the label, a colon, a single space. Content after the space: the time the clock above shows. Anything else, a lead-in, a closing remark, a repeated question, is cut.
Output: 11:47:48
